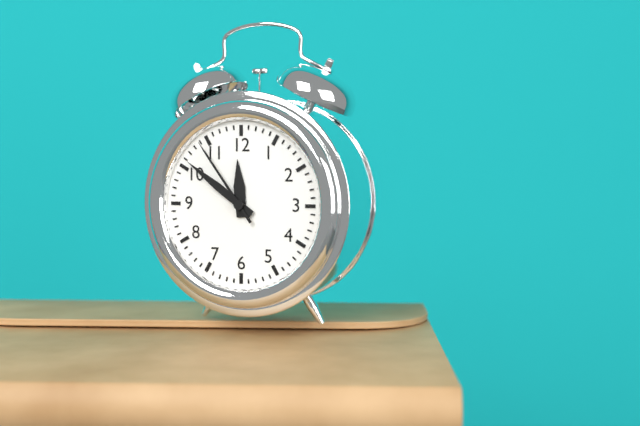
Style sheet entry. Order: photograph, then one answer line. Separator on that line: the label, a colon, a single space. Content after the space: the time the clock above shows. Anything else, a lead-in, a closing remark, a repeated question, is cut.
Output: 11:51:54
